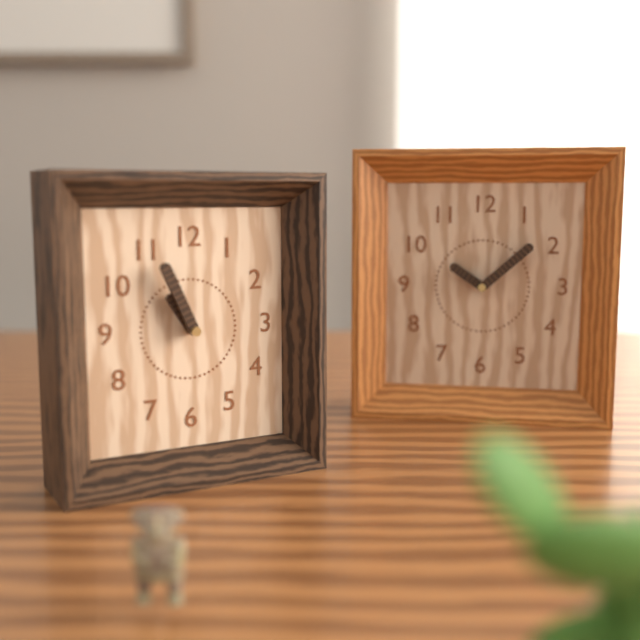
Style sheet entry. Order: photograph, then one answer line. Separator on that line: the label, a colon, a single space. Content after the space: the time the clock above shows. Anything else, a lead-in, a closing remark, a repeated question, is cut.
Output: 10:56
